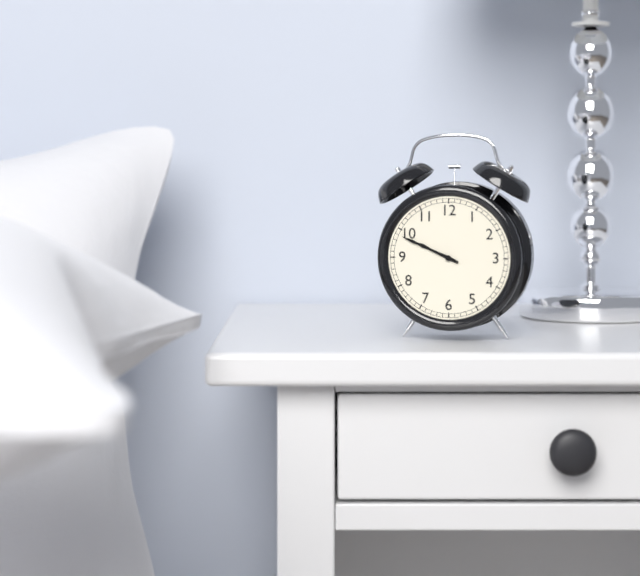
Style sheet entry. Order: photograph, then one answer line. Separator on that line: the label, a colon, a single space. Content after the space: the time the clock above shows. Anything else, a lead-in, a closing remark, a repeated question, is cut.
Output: 9:49
